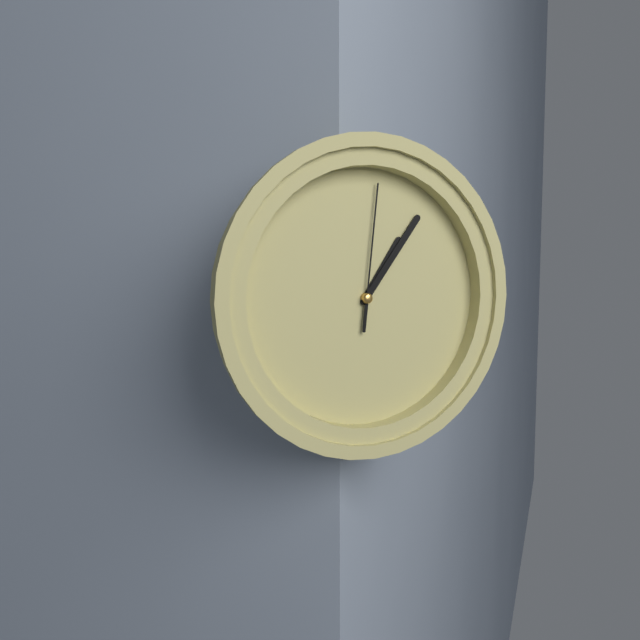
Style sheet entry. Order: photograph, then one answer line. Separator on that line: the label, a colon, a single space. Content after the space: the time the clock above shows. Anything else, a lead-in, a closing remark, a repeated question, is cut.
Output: 1:06:01
